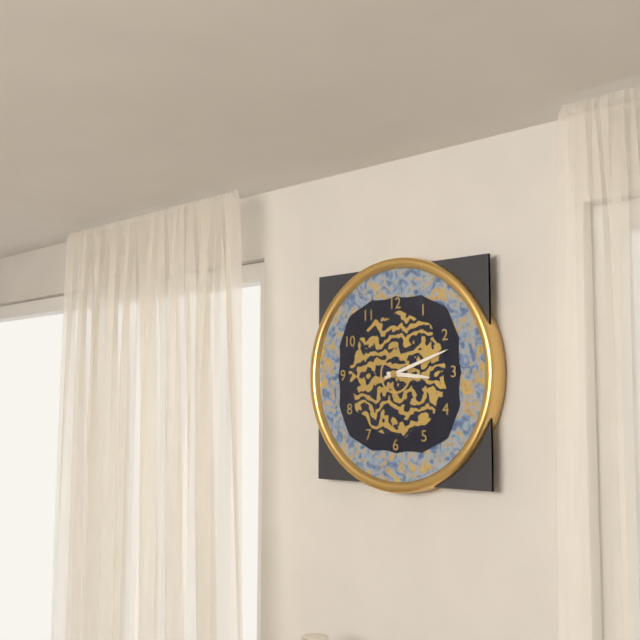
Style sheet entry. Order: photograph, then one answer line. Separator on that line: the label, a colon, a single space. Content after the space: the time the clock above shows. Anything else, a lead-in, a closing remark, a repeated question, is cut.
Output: 3:12
